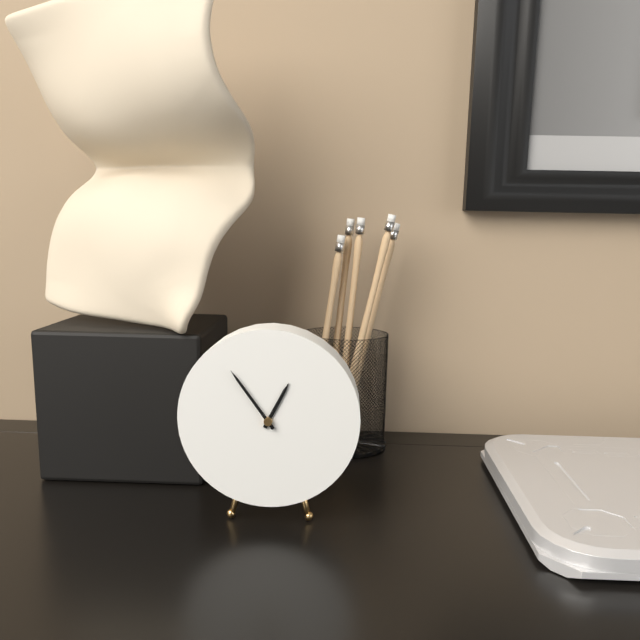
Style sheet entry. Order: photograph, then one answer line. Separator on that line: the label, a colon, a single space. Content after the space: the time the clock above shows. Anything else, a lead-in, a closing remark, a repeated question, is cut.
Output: 12:54
